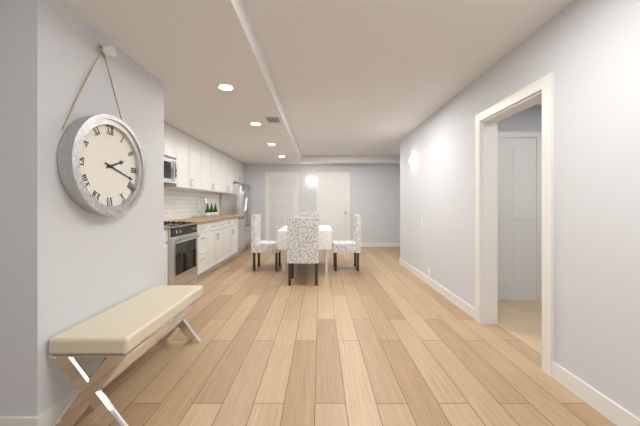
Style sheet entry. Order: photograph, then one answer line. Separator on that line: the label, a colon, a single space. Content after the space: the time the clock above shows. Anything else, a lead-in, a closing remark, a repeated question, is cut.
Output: 2:18
